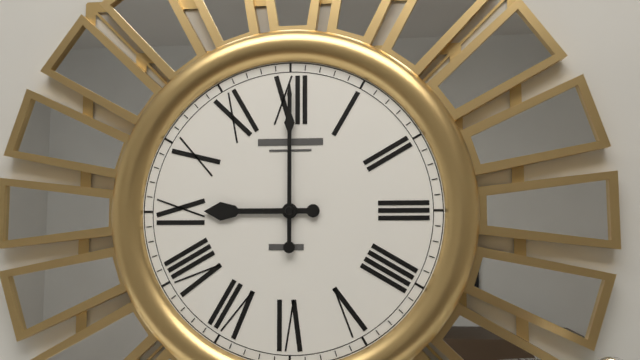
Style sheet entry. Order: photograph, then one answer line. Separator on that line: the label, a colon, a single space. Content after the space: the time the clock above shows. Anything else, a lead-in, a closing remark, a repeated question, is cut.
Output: 9:00
